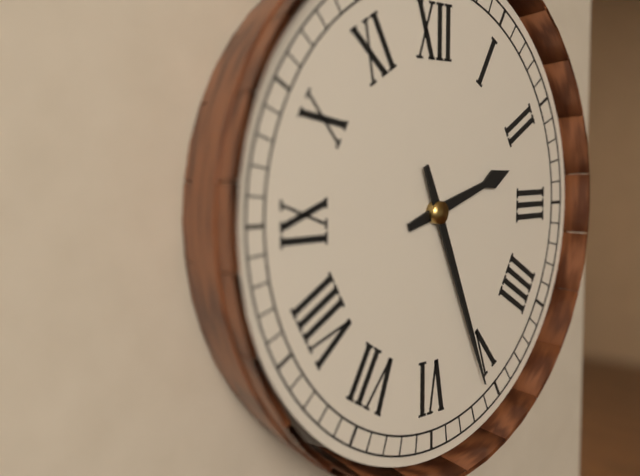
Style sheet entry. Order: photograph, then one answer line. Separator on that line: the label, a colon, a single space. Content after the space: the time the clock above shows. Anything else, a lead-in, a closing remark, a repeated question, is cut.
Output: 2:26
